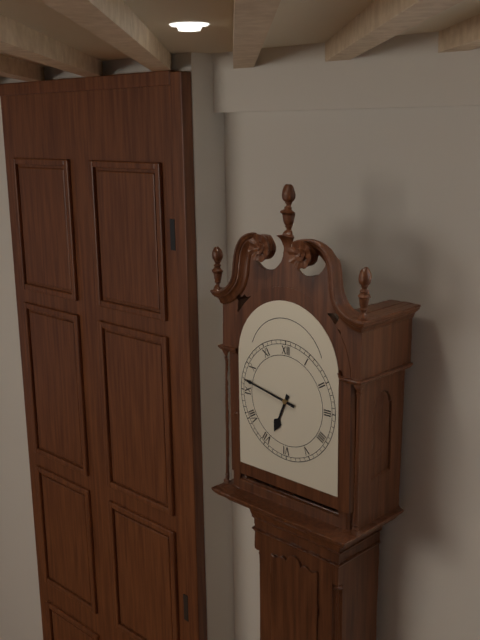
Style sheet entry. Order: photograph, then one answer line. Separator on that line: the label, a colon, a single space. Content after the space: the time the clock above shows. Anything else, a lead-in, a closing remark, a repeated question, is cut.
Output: 6:47
